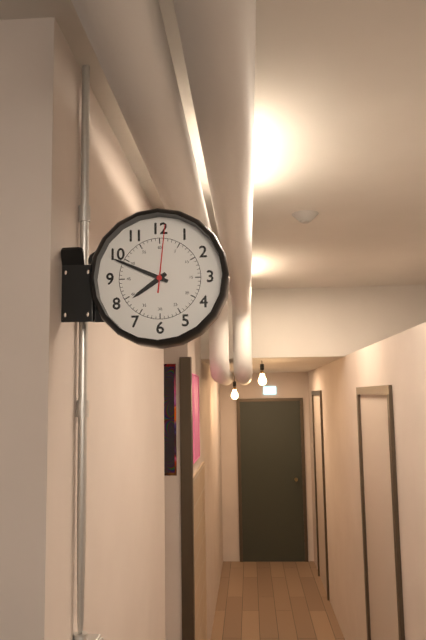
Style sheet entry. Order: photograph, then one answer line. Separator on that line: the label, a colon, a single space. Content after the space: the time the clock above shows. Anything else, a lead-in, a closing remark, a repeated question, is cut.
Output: 7:49:01
